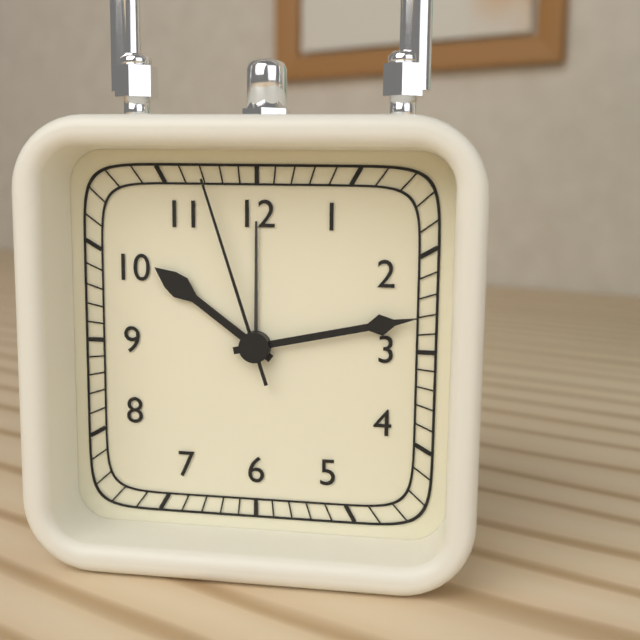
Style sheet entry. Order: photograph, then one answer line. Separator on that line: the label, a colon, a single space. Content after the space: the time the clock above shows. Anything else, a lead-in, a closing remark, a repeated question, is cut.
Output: 10:13:57
